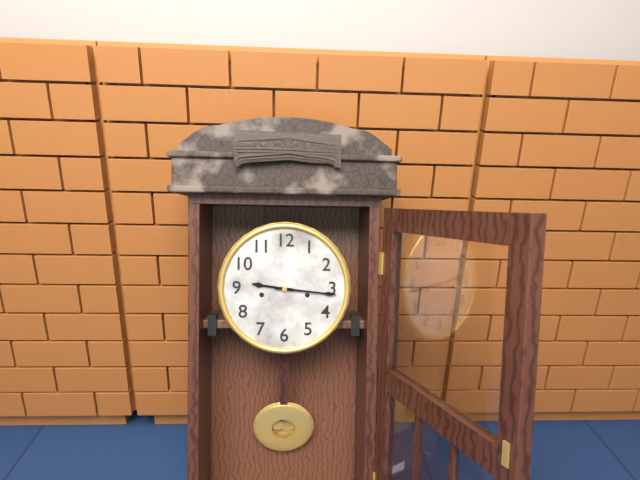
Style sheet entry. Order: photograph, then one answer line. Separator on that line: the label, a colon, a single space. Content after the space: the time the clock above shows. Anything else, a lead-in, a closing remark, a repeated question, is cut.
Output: 9:16
